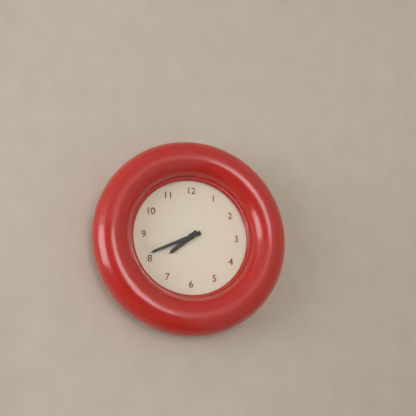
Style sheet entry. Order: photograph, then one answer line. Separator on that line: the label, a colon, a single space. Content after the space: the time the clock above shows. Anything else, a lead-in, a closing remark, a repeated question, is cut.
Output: 7:41
